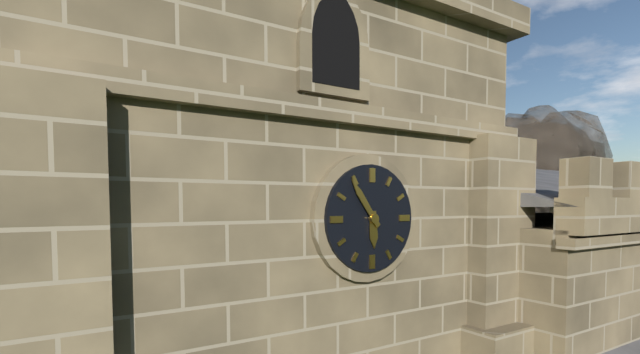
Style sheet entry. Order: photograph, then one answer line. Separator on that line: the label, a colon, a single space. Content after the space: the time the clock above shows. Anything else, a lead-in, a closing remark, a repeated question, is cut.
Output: 5:54
